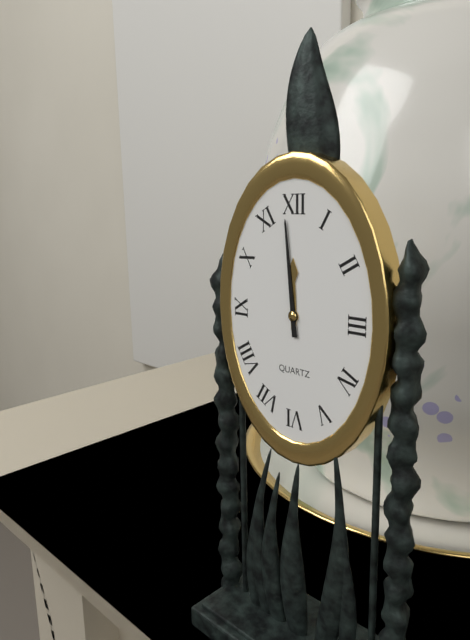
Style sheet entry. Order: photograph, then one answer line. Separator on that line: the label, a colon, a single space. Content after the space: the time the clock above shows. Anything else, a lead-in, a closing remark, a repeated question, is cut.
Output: 11:59
